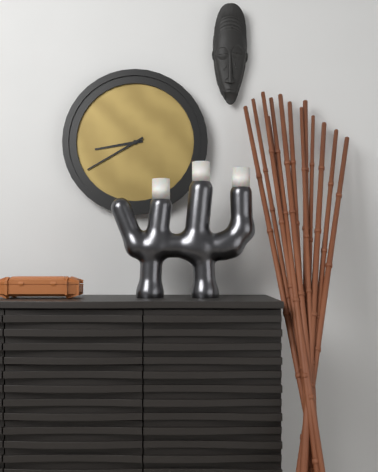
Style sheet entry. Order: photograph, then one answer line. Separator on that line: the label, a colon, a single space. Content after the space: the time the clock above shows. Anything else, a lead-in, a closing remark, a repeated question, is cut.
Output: 8:40
